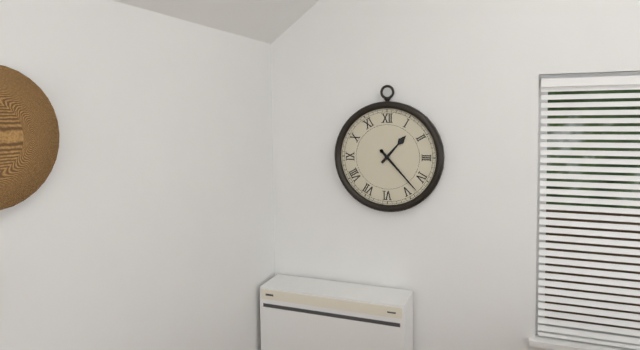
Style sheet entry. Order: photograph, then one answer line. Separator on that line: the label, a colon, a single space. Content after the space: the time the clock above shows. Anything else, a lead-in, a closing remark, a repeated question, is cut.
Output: 1:23
